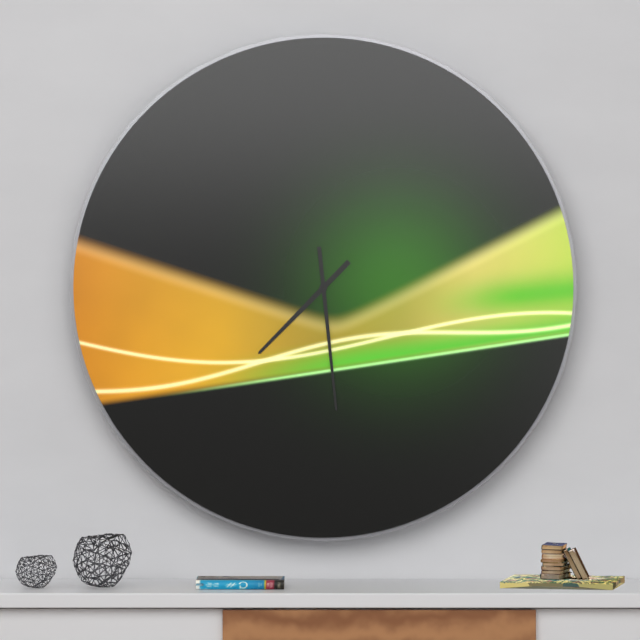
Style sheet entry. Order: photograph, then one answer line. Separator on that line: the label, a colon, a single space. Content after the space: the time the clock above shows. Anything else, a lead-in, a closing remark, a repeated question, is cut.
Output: 7:29
